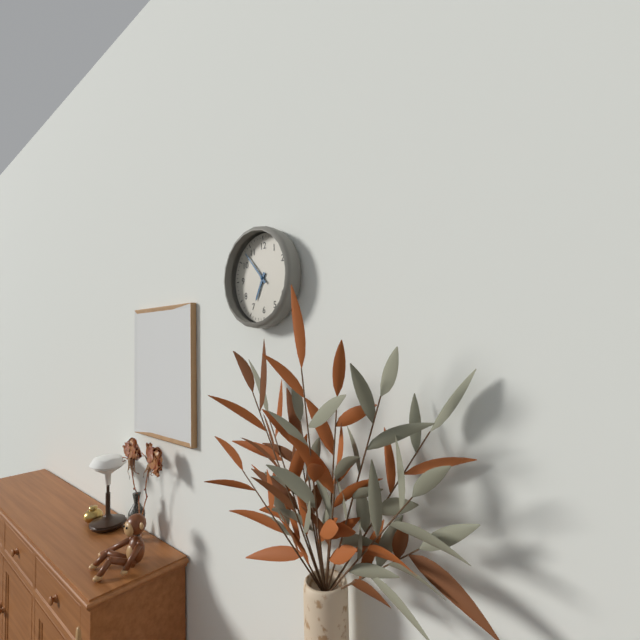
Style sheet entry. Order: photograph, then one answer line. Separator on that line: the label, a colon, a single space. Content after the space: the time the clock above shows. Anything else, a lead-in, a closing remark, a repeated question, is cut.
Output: 6:53
